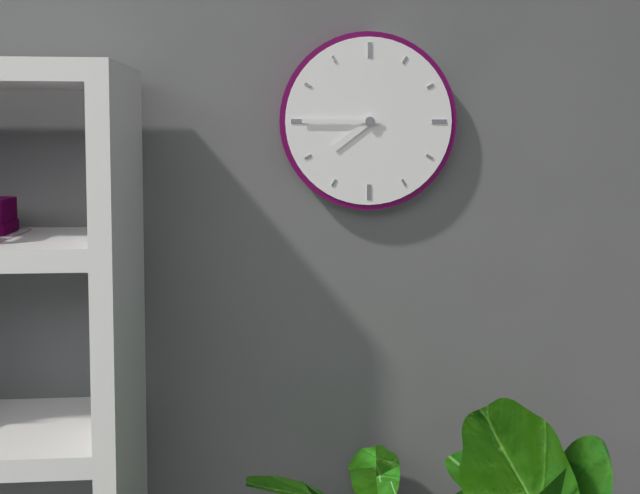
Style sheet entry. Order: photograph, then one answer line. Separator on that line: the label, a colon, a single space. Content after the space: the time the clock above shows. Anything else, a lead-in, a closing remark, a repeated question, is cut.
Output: 7:45
